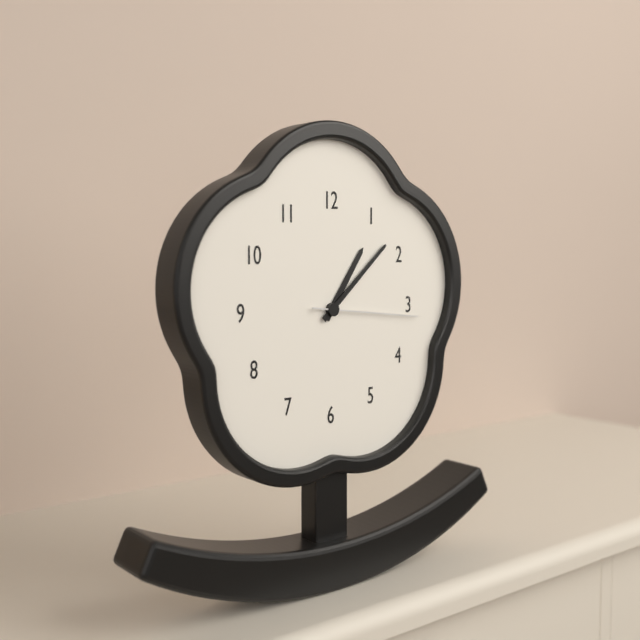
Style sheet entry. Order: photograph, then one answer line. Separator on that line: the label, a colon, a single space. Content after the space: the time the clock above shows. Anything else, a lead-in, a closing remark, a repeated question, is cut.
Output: 1:08:16
